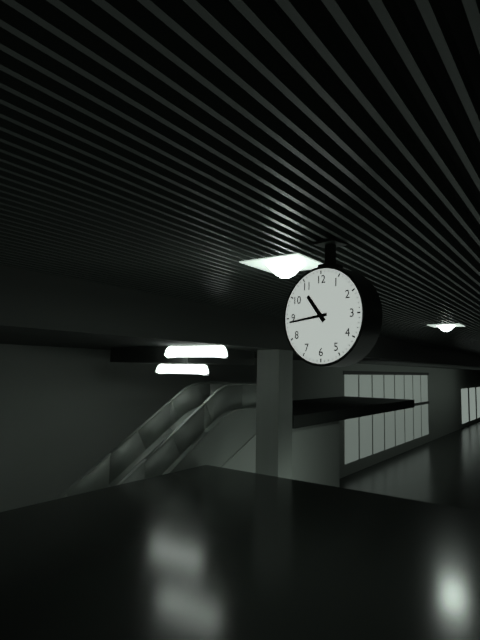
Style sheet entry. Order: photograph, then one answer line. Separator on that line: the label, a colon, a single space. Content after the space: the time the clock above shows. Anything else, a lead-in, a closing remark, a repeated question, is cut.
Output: 10:44
